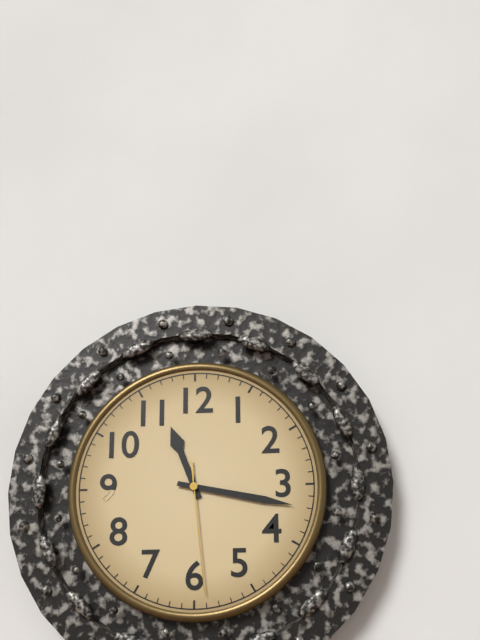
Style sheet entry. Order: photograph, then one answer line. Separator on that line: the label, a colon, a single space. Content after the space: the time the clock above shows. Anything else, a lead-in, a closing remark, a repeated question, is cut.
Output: 11:17:29
